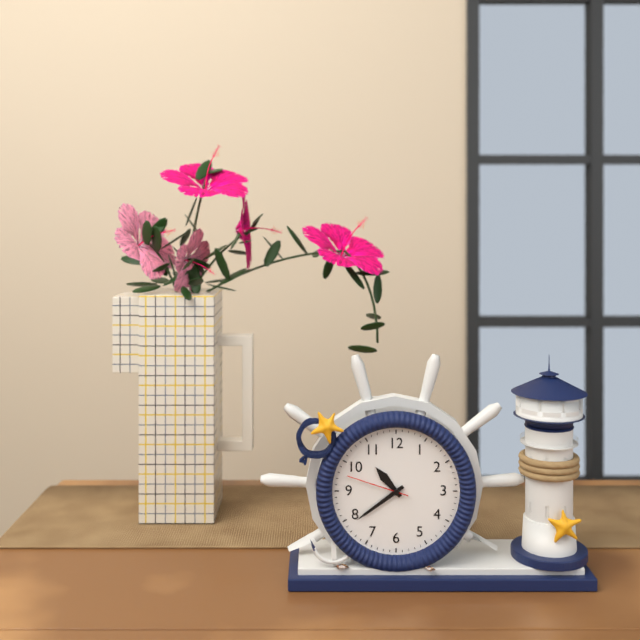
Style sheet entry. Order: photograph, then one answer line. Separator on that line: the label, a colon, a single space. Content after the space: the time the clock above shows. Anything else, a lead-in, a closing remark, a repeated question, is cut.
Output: 10:39:48
